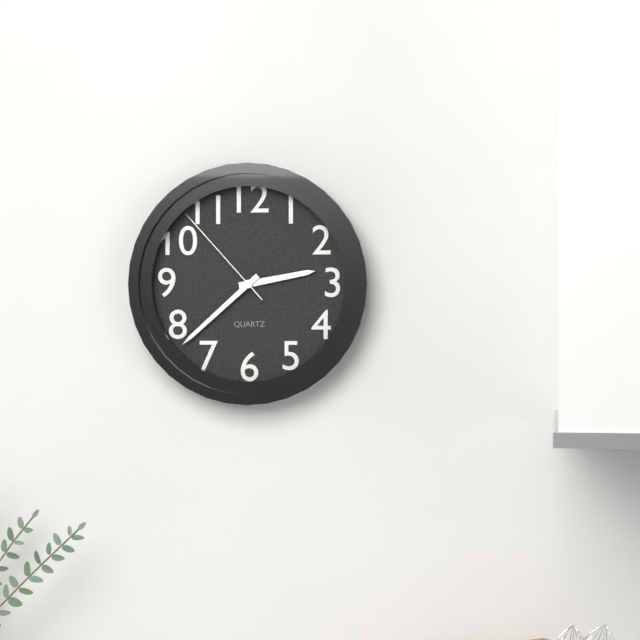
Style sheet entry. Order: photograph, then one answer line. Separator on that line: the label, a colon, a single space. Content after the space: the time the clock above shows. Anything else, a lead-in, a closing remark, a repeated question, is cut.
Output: 2:38:53
